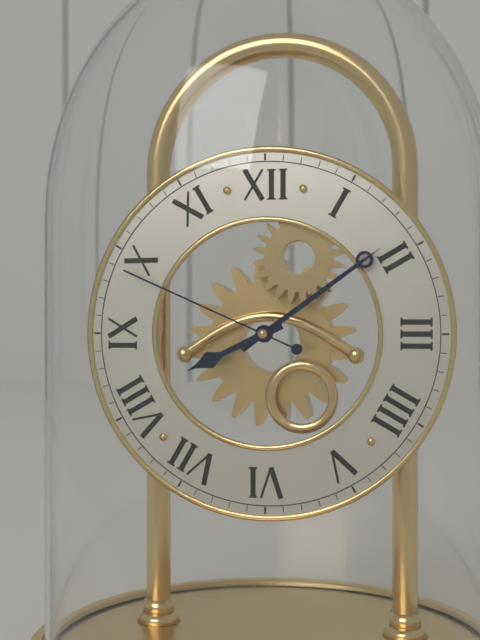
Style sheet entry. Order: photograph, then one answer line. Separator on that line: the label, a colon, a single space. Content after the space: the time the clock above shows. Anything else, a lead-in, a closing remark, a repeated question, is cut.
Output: 8:09:49
